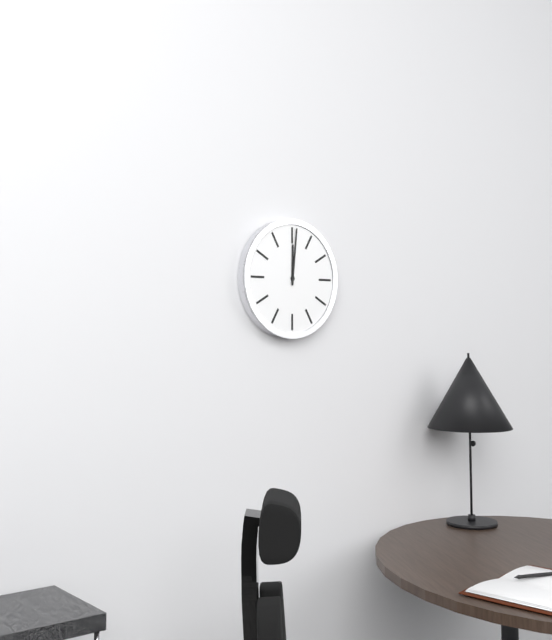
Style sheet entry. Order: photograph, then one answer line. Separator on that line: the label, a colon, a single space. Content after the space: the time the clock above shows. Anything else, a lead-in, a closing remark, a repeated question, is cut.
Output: 12:01
